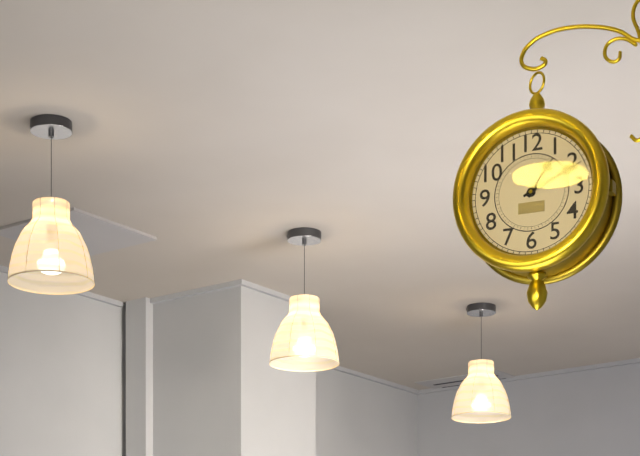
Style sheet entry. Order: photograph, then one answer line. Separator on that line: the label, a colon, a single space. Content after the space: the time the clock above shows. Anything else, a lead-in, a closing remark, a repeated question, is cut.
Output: 1:11
